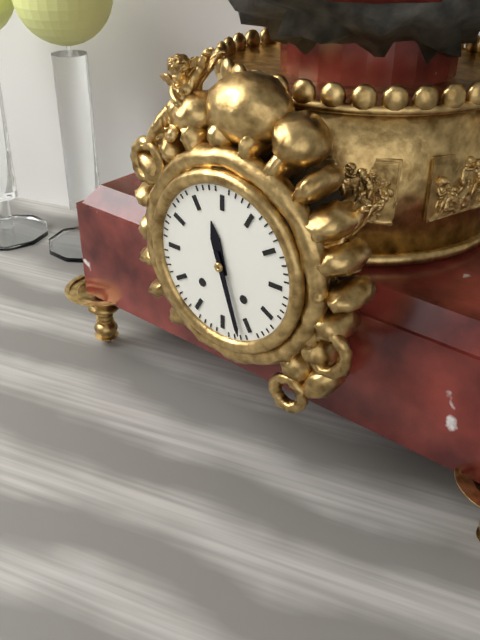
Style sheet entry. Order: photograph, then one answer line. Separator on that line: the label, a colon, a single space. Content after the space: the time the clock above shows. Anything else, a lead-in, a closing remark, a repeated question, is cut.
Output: 11:27
